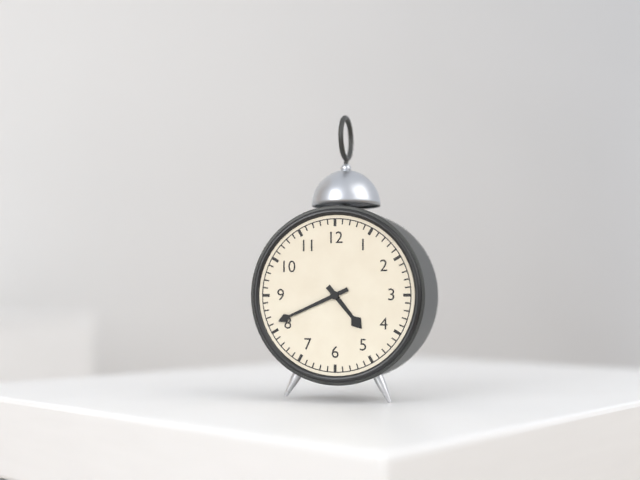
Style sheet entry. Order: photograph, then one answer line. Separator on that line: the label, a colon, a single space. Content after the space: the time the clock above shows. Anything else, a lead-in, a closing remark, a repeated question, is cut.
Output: 4:41
